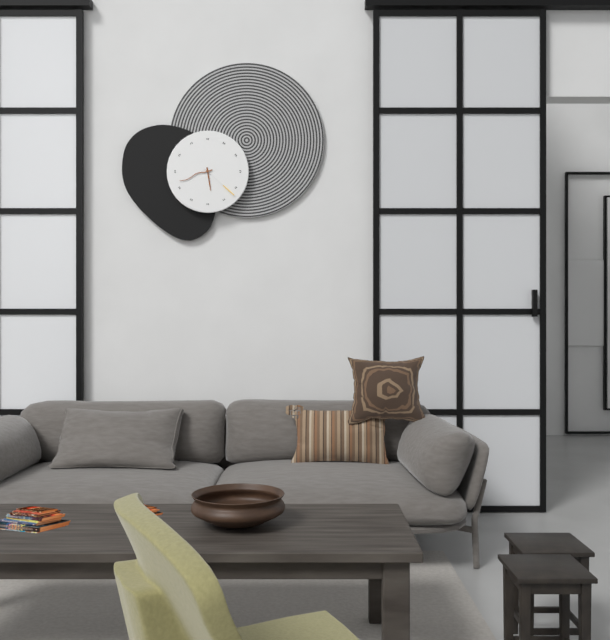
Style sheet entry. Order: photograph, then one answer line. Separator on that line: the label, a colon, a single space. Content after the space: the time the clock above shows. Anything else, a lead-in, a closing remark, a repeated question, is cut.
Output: 5:42
